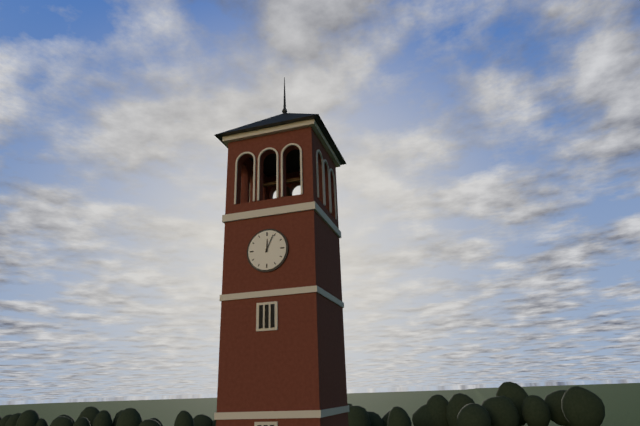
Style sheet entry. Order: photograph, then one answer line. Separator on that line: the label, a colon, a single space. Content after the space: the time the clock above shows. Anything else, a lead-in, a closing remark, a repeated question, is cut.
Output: 12:04
